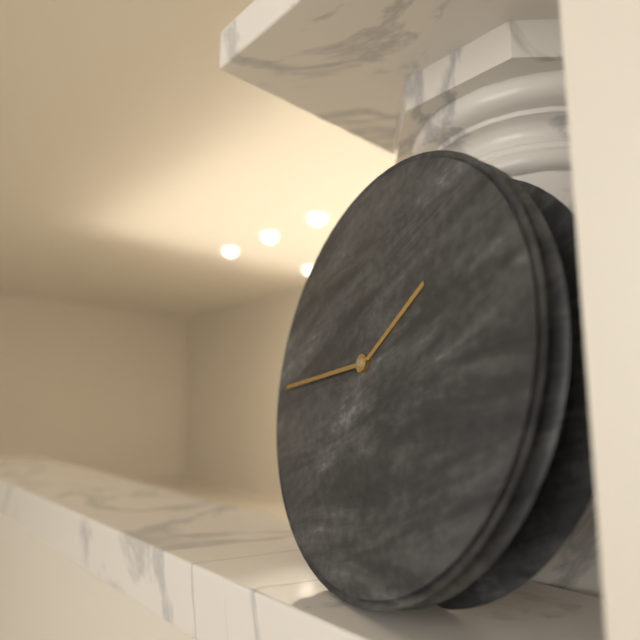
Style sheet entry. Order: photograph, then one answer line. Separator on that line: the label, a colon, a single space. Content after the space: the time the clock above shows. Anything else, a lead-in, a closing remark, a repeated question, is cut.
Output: 1:44
